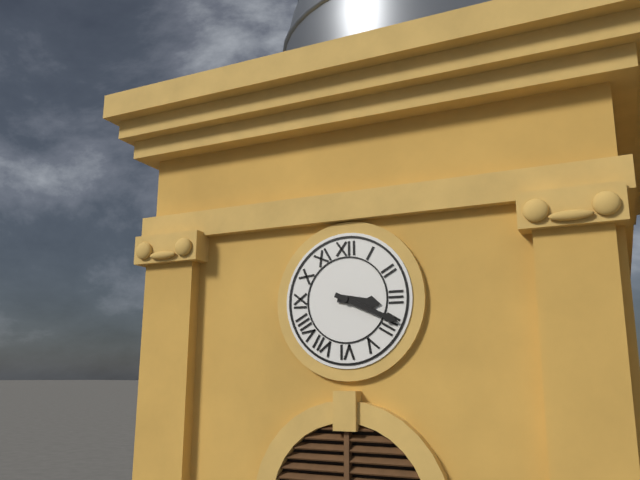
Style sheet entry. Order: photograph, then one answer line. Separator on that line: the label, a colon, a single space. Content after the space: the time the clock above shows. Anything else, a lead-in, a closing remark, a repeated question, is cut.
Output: 3:19
